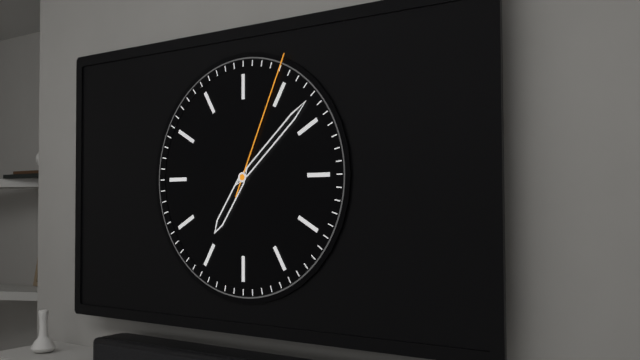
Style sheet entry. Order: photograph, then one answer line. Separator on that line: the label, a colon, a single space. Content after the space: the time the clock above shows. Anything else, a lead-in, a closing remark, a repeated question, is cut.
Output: 7:08:04
